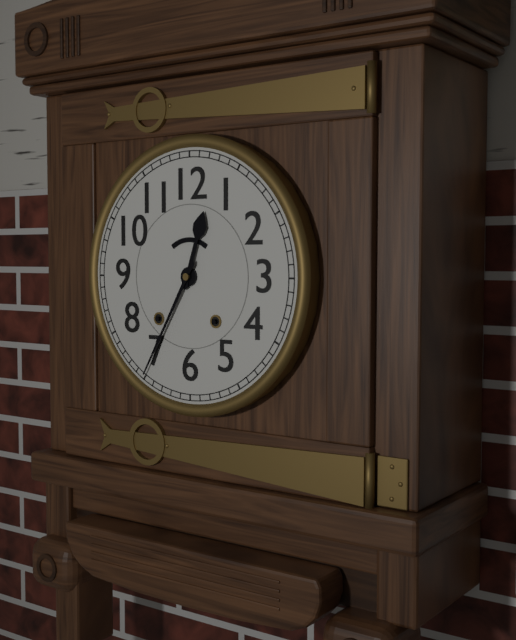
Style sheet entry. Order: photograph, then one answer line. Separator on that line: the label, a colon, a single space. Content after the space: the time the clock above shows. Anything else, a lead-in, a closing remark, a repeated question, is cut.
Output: 12:35
